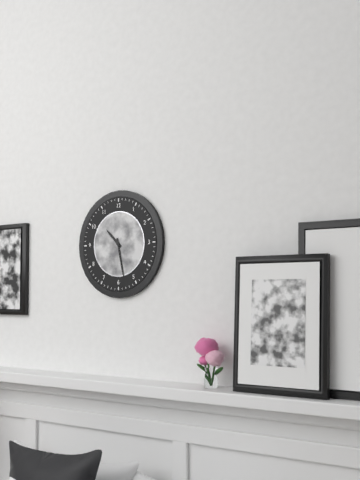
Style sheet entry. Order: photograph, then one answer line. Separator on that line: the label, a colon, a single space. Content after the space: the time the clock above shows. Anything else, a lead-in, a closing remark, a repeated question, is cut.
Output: 10:28
